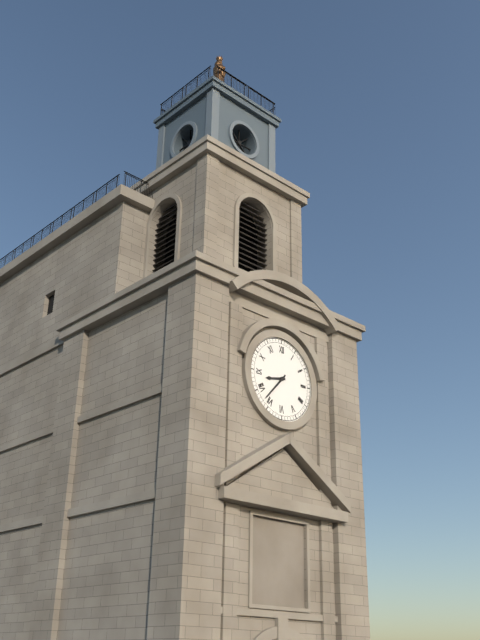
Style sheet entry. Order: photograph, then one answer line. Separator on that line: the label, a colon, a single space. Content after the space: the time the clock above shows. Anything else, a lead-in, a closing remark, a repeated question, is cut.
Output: 8:37
